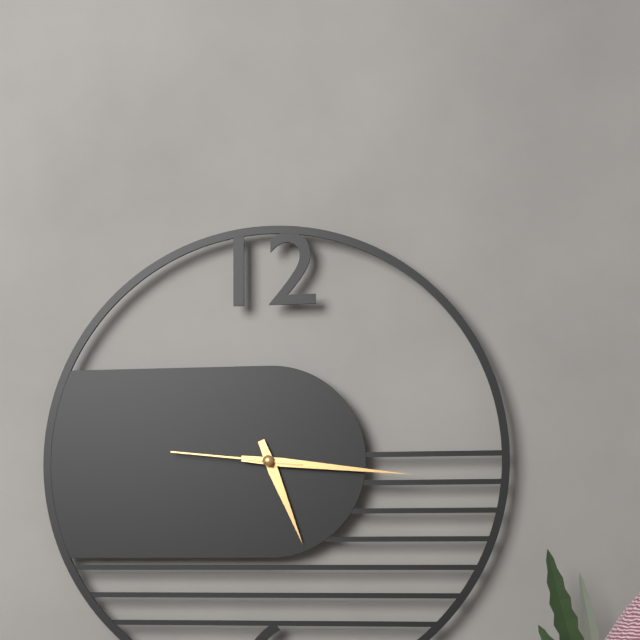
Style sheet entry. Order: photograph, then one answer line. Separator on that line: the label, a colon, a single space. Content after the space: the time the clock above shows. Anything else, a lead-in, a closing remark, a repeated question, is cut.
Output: 5:16:46
